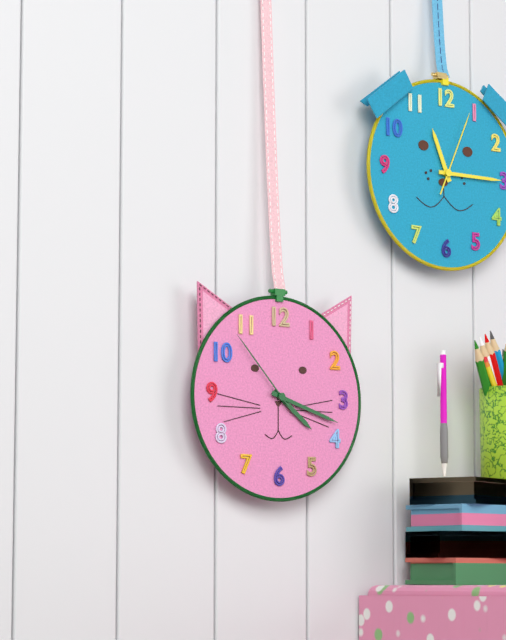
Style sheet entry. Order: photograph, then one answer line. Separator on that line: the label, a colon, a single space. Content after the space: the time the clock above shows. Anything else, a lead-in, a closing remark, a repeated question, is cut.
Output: 4:18:53
